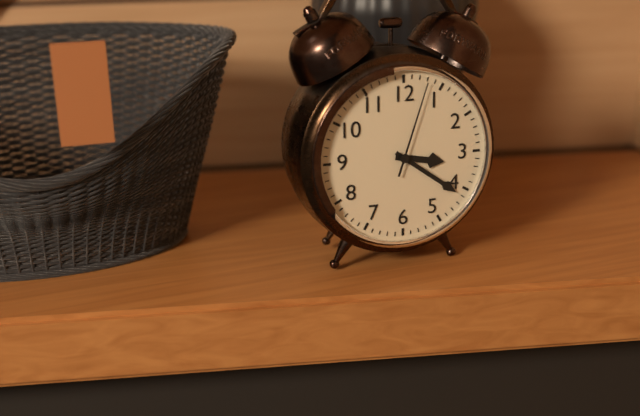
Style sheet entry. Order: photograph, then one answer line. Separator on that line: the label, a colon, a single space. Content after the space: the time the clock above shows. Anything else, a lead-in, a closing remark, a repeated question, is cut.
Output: 3:21:03
